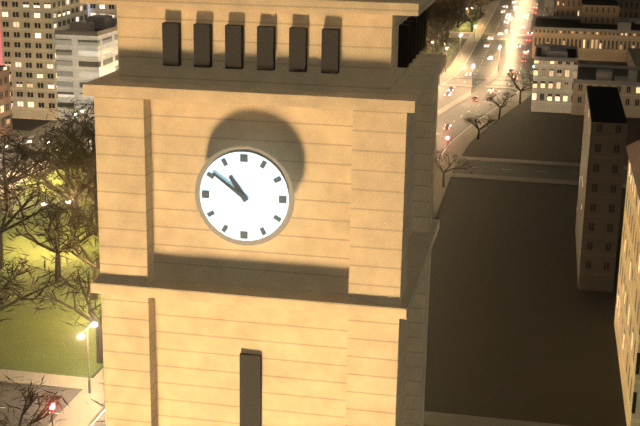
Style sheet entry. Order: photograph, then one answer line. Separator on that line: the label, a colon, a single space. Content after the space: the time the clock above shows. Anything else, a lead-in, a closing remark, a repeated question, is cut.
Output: 10:51
